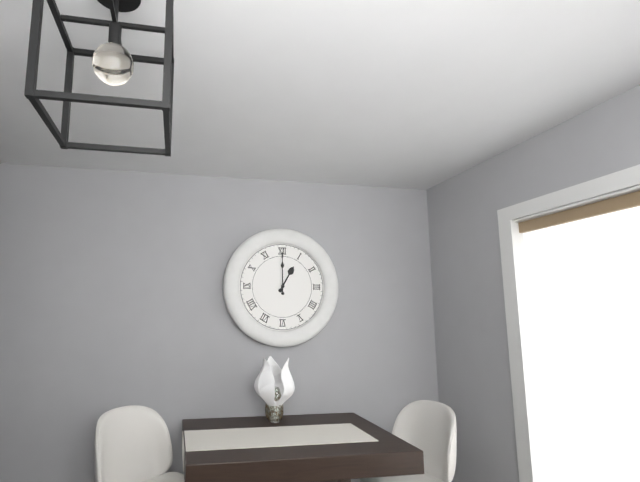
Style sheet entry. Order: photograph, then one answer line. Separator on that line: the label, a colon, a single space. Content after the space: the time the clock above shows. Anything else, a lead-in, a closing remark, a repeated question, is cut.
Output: 1:00
